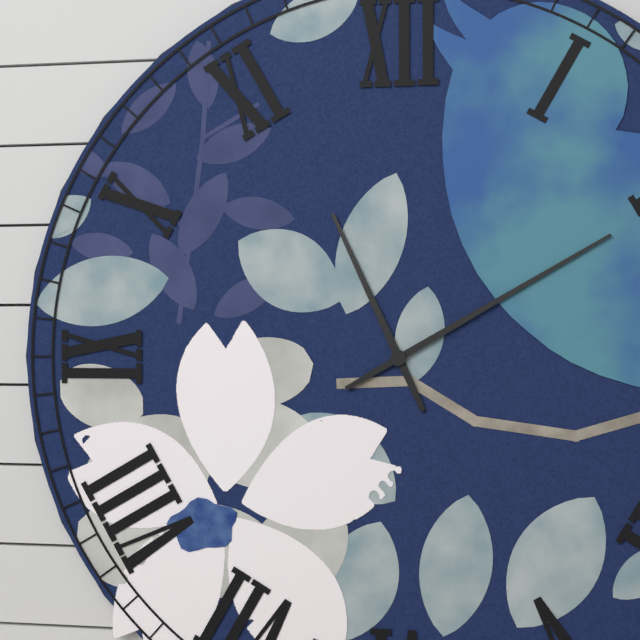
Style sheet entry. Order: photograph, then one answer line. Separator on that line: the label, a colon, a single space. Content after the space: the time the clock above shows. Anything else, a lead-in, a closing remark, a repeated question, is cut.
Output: 11:10
